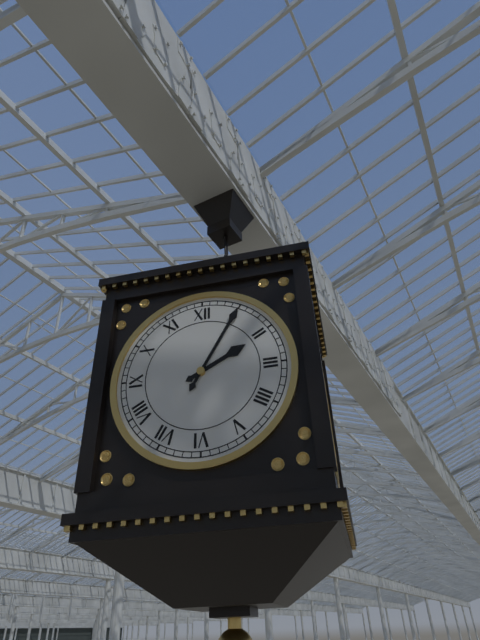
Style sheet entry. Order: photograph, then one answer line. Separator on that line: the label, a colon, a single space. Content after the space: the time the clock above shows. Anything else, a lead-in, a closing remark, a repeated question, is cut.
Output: 2:05
